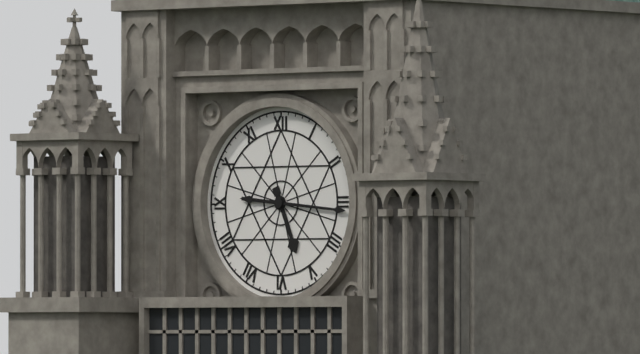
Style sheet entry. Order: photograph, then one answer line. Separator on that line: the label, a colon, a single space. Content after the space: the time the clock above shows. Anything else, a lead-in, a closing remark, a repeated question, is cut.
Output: 5:16
